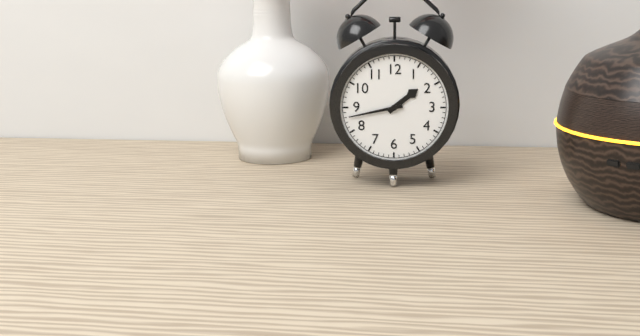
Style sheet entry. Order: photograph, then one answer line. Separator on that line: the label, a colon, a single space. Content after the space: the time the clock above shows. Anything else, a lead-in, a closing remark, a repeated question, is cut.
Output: 1:43
